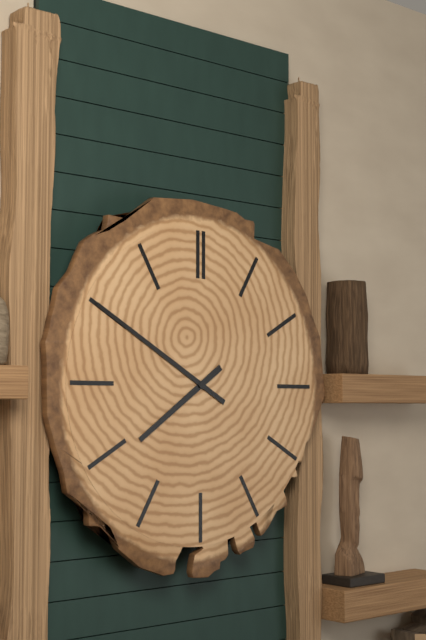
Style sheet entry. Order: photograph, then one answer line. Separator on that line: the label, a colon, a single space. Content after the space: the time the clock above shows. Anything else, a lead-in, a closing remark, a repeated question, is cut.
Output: 7:50
